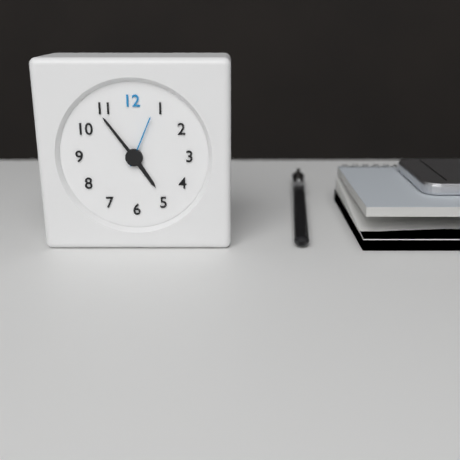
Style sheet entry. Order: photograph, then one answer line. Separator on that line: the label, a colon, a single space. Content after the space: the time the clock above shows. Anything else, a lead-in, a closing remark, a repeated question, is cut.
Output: 4:54
